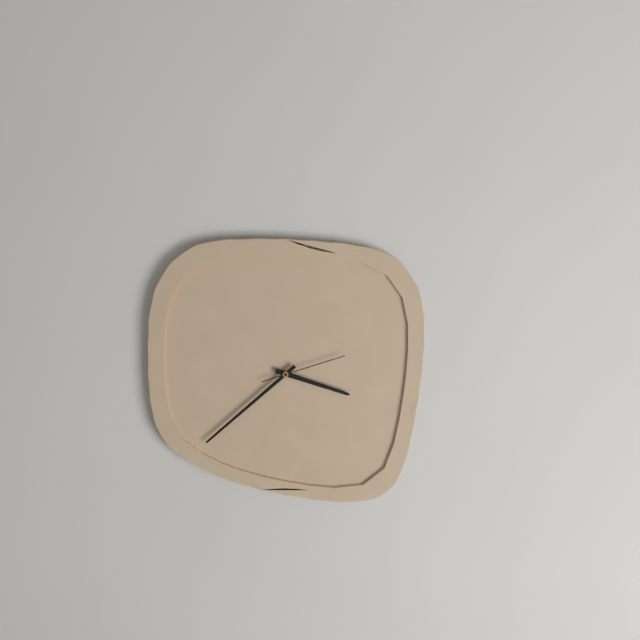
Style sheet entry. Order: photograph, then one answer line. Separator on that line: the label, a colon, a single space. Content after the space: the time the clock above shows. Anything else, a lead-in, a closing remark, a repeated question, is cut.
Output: 3:38:12
